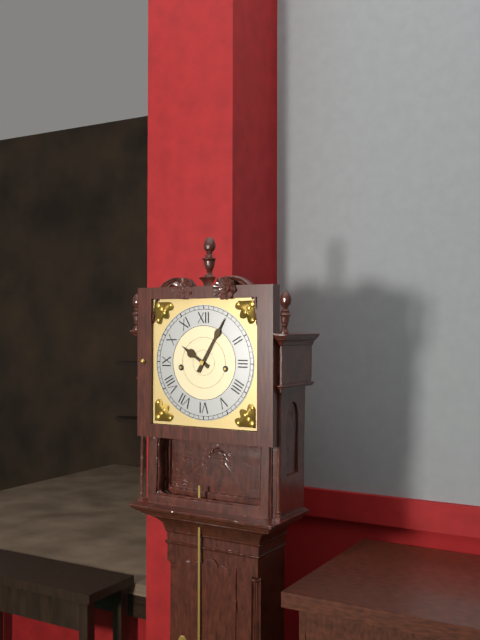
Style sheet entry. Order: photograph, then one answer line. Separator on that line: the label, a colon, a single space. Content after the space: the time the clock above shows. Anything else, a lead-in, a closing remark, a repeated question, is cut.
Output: 10:05
